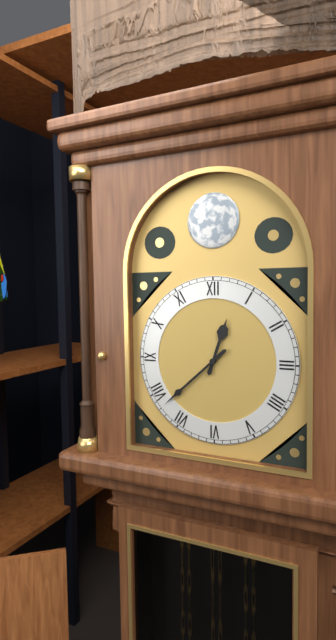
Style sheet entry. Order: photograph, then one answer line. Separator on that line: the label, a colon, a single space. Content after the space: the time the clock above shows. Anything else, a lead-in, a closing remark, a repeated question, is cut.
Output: 12:38
